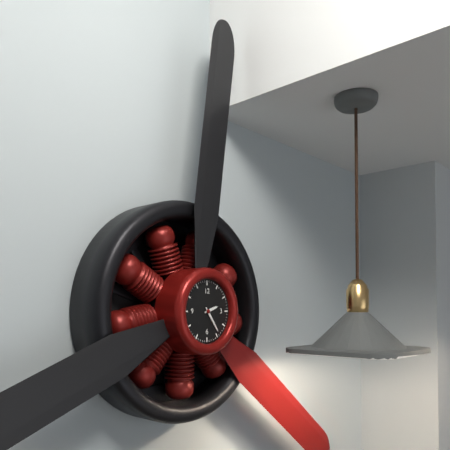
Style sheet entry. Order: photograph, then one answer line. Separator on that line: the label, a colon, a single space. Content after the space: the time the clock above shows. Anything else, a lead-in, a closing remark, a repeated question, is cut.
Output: 2:24
